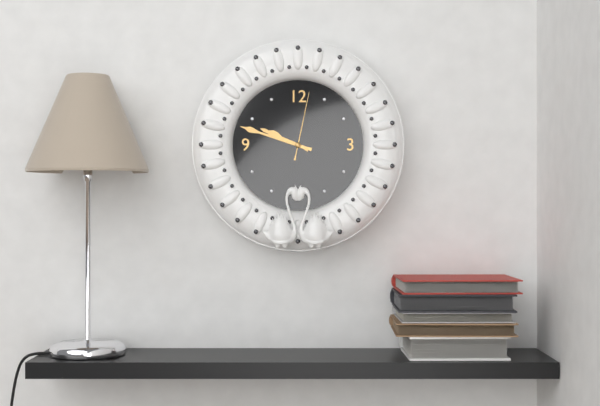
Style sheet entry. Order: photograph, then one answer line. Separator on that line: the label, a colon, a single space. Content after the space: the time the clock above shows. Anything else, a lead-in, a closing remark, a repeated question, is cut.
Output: 9:48:02
